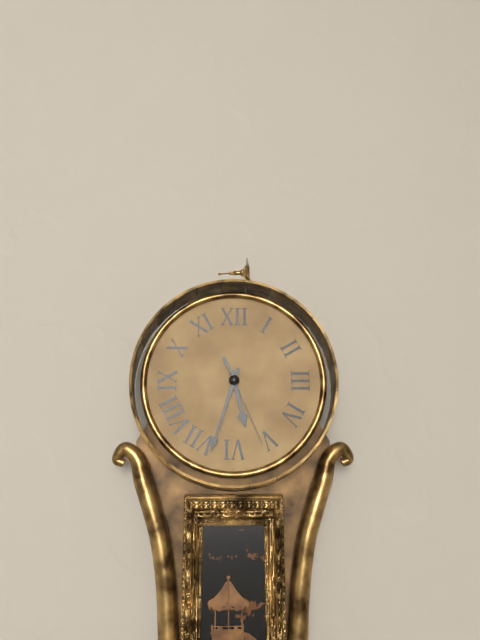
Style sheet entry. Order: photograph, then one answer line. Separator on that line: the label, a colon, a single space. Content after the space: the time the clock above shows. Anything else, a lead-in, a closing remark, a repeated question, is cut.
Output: 5:33:26
